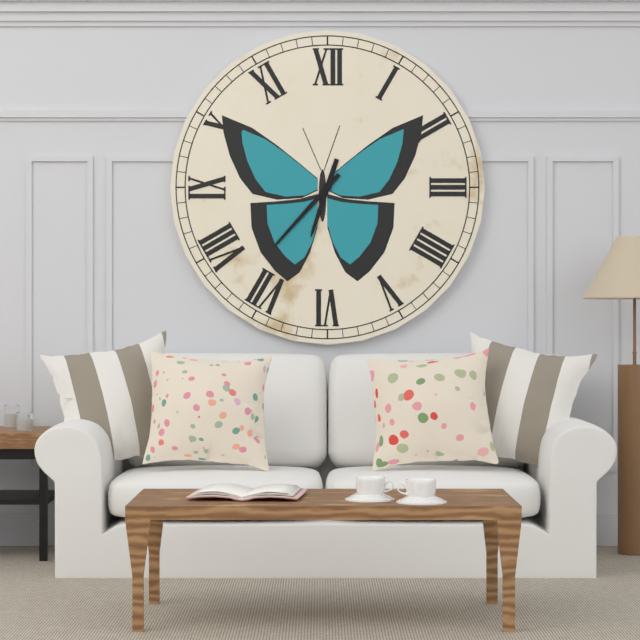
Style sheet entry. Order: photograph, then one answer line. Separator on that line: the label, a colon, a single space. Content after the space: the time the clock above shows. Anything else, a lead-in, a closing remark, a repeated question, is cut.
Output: 6:37
